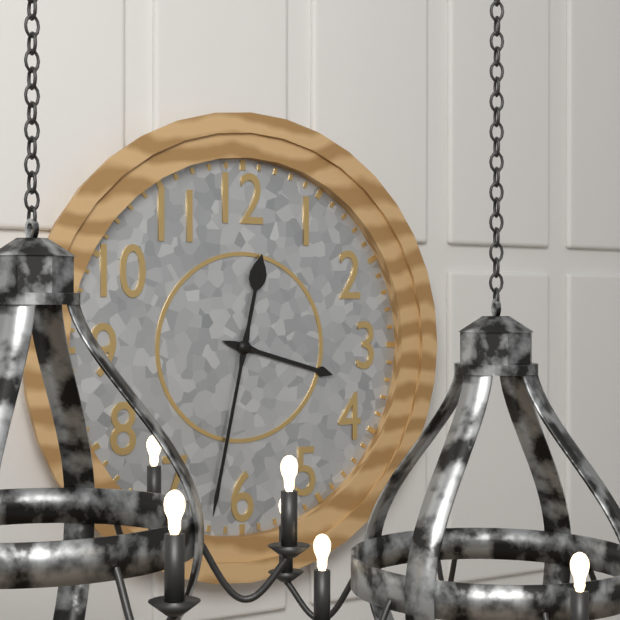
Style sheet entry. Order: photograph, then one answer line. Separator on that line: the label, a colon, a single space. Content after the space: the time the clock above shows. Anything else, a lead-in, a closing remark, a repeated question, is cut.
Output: 3:32
